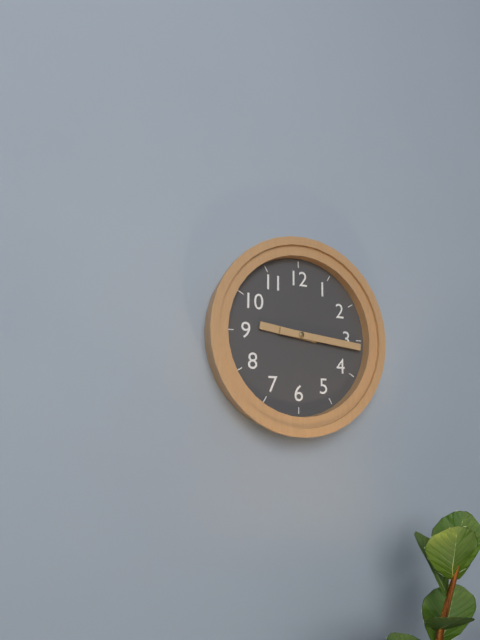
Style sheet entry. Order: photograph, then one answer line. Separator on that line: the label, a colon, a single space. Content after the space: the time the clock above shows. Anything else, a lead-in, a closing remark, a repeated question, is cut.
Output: 9:16
